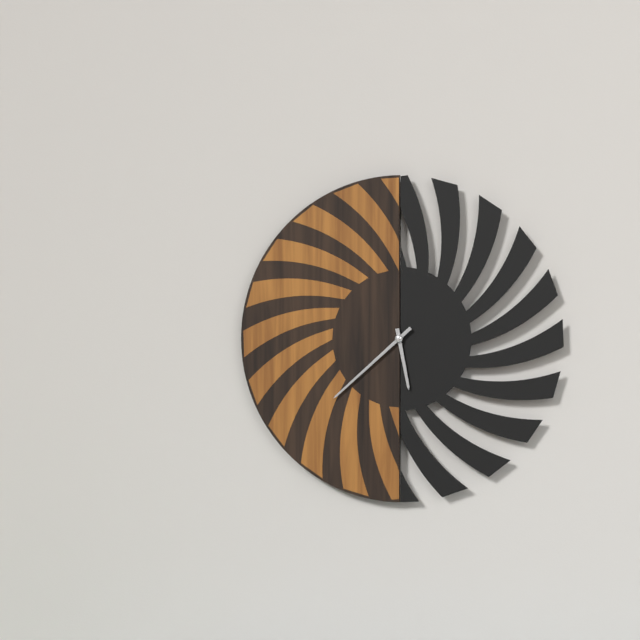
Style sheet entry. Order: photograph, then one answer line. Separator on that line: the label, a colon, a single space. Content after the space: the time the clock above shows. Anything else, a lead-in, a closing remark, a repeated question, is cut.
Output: 5:38
